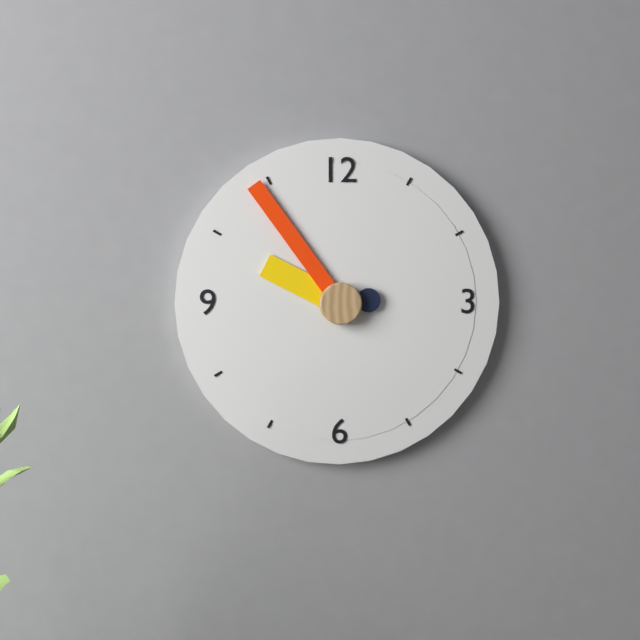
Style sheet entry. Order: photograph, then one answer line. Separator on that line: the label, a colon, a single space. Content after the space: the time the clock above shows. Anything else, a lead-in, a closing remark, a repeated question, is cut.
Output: 9:54:14
